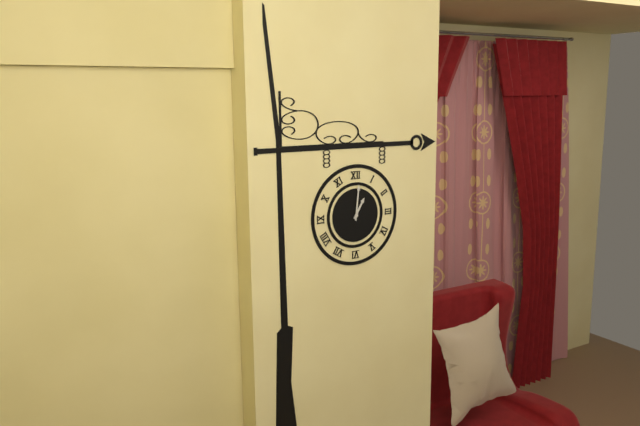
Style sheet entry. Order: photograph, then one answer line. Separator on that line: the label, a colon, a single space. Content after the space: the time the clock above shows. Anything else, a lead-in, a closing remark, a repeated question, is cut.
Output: 1:01
